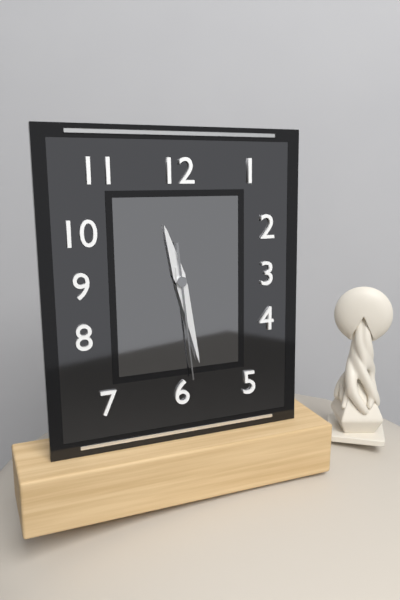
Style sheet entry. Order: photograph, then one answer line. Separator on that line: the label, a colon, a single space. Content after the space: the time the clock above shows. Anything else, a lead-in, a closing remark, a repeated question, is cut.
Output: 11:28:29
